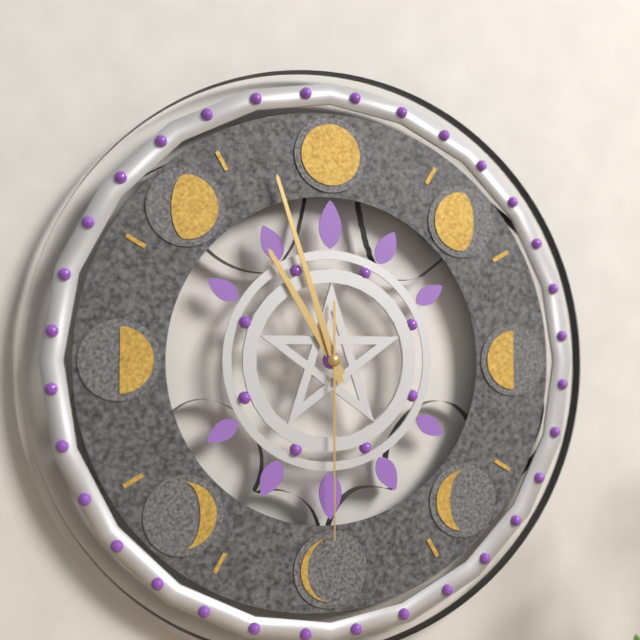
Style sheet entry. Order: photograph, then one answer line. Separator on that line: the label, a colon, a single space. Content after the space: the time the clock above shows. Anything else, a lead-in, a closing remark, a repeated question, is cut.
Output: 10:57:30
